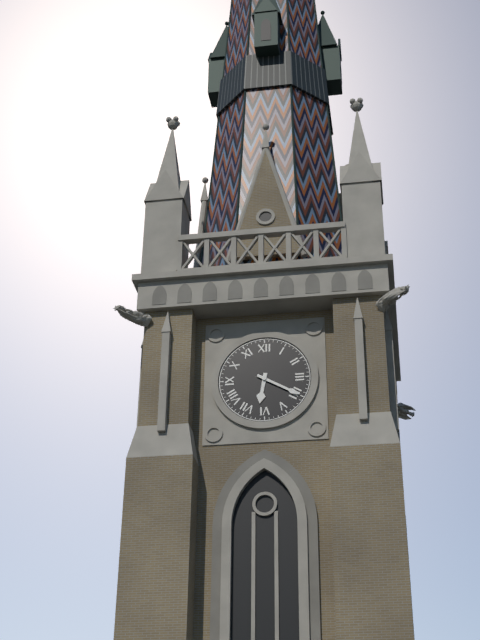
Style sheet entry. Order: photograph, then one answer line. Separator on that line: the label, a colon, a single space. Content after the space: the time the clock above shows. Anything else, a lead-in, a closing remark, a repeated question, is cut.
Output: 6:20
